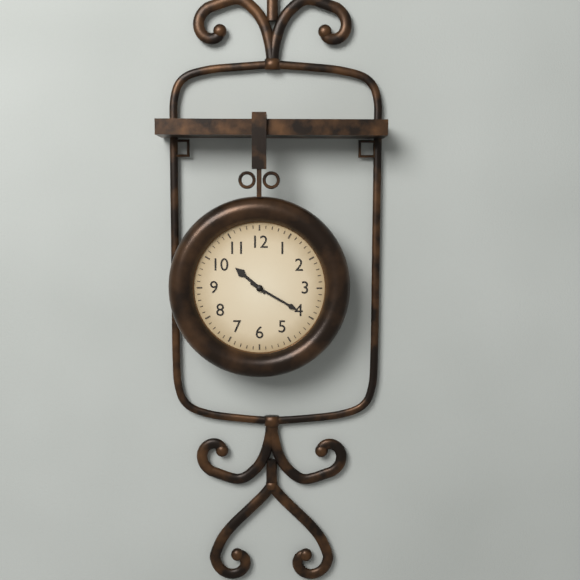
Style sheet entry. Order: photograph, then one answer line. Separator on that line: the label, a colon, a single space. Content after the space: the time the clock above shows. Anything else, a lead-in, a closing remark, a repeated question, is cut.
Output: 10:20
